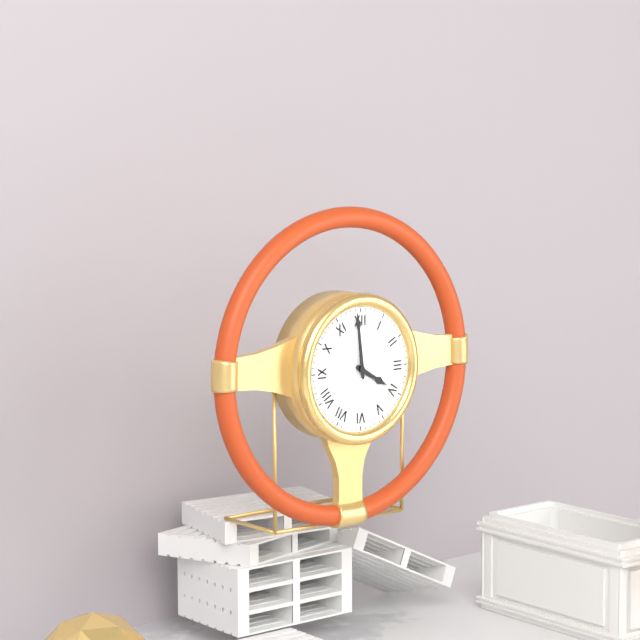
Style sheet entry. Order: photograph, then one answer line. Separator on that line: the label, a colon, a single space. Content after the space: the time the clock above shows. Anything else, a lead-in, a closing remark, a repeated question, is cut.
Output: 3:59
